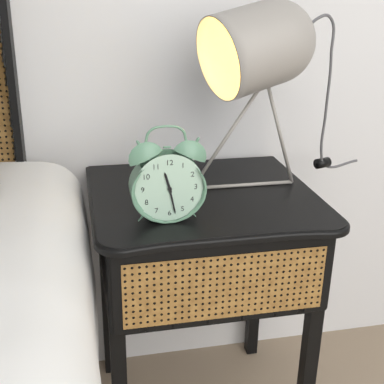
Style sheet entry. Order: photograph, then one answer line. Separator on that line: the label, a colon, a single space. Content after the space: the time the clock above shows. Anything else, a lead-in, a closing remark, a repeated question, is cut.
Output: 11:28
